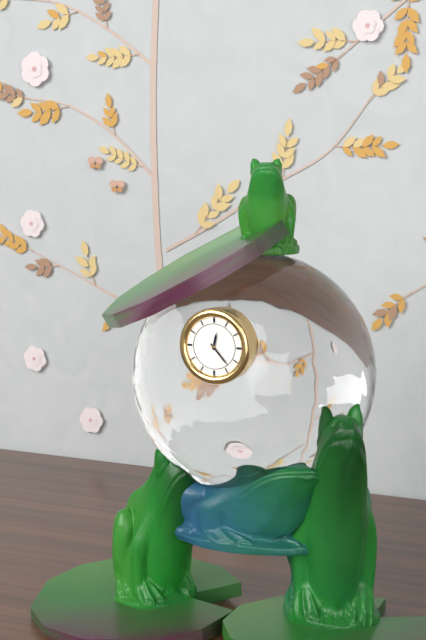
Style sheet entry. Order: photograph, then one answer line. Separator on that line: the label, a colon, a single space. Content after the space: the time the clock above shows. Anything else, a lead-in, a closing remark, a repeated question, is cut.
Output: 12:23
